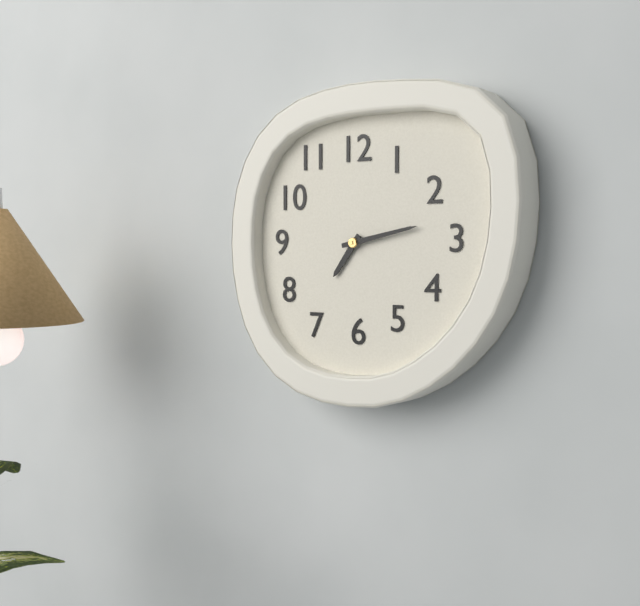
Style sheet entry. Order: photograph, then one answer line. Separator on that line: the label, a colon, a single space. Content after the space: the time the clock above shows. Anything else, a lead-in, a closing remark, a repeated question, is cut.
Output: 7:13
